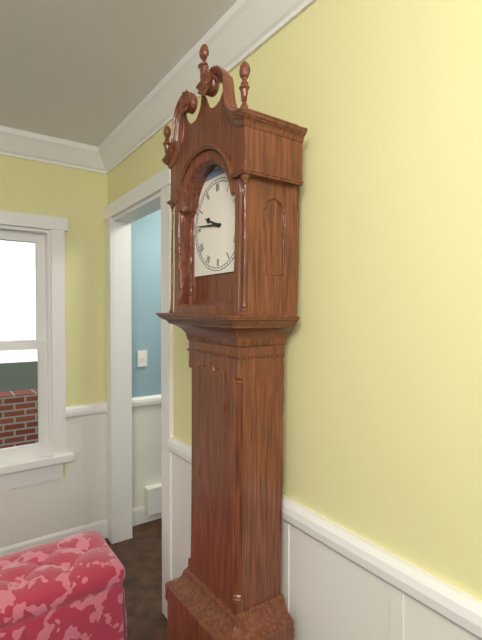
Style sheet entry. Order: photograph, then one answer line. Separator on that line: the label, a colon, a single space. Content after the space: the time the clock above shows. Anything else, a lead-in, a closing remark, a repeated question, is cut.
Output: 9:46
